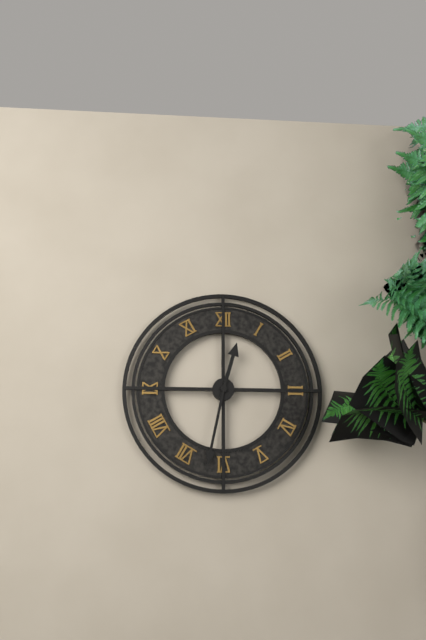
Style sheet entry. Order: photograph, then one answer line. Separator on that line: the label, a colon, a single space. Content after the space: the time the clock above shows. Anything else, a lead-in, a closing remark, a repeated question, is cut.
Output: 12:32
